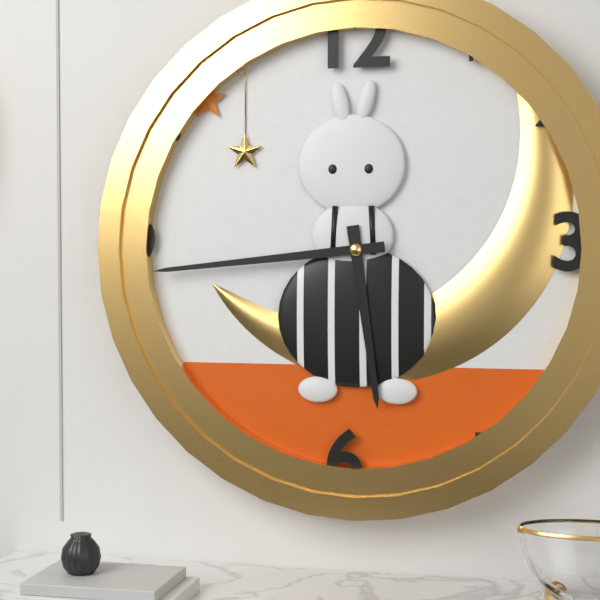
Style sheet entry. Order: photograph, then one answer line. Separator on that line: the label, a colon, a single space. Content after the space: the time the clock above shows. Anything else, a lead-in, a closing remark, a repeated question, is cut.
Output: 5:44
